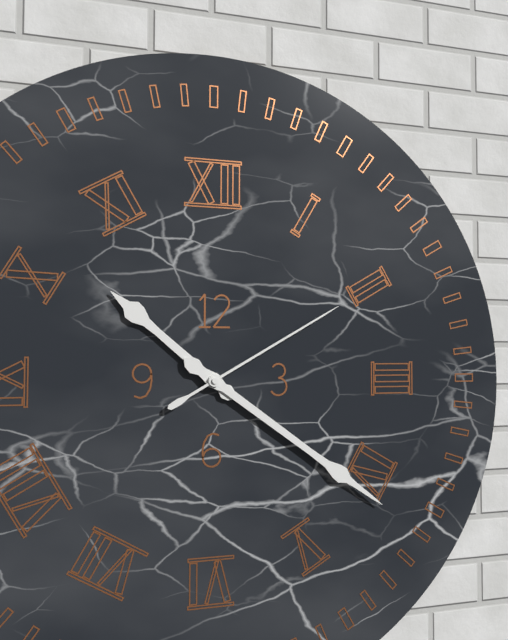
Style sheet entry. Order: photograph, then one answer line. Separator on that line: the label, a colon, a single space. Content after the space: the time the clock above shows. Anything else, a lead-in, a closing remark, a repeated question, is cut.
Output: 10:21:10
